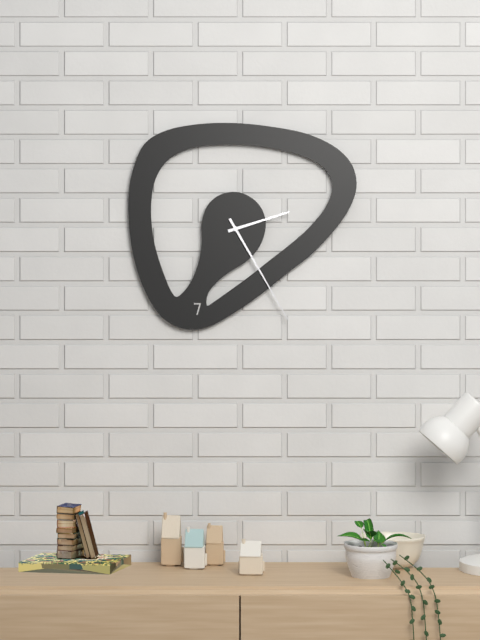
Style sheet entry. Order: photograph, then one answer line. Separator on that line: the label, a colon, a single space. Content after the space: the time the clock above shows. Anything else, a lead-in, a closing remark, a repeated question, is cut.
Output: 2:25
